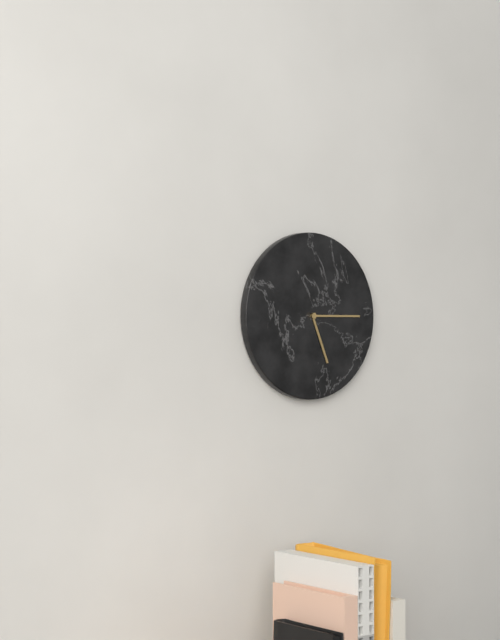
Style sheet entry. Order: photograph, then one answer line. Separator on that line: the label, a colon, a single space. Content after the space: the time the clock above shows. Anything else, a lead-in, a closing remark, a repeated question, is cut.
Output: 5:15
